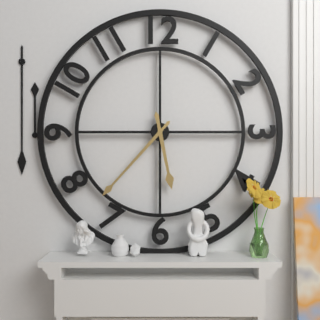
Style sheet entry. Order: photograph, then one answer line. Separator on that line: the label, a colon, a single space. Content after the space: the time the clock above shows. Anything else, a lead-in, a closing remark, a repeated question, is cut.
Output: 5:37
